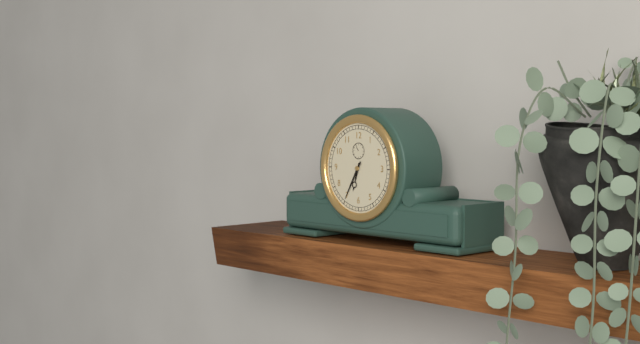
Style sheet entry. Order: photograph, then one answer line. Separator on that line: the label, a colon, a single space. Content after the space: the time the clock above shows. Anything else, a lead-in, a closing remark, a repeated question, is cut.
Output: 6:35
